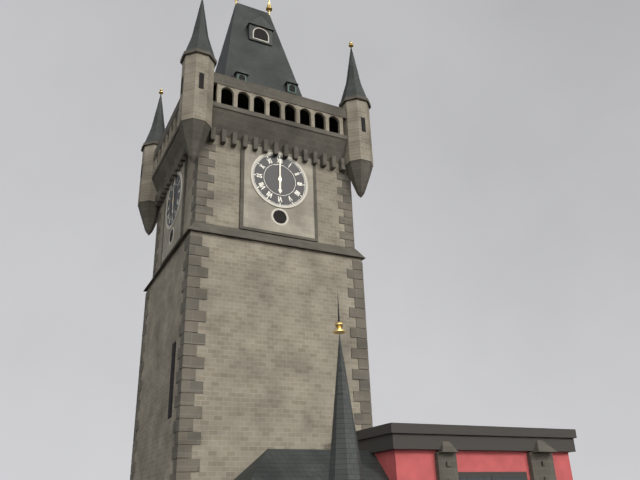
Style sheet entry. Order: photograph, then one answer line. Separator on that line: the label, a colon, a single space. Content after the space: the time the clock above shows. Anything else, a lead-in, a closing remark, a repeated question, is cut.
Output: 6:00
